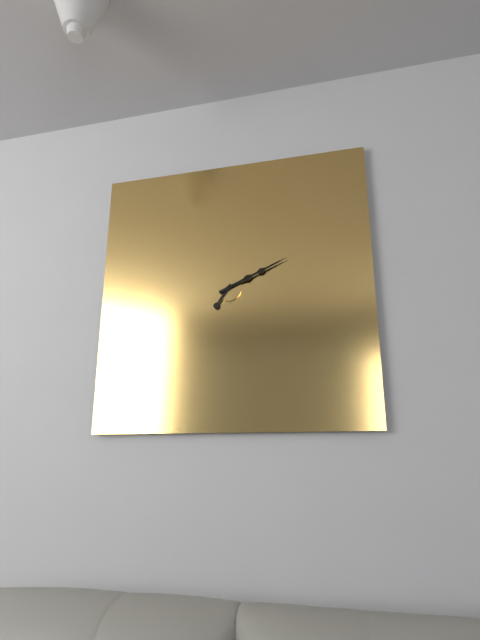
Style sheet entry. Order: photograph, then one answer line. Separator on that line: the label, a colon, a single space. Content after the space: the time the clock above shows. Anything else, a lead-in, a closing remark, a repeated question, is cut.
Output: 7:11
